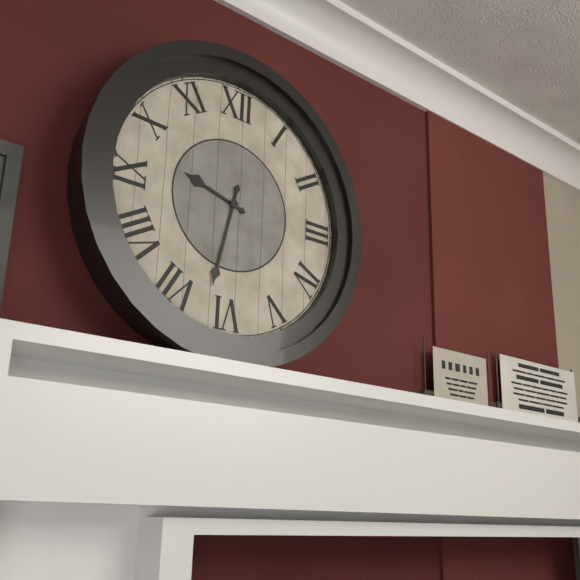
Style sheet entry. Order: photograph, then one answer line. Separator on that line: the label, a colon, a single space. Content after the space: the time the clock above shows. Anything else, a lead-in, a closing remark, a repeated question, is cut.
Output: 9:32
